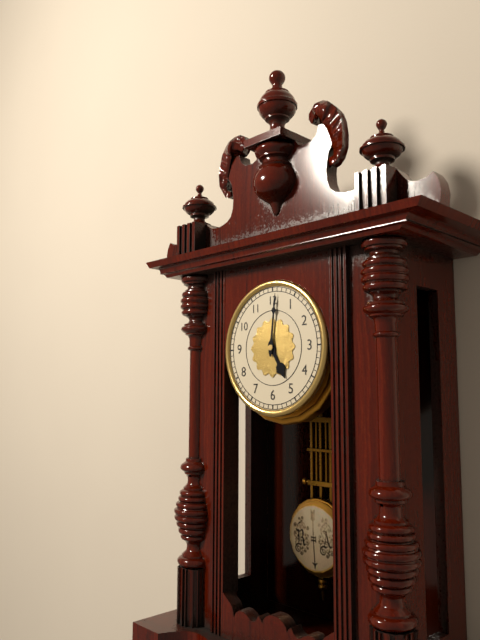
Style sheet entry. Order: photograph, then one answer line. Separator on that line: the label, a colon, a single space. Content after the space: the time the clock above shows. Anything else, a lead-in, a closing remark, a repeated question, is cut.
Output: 5:01
